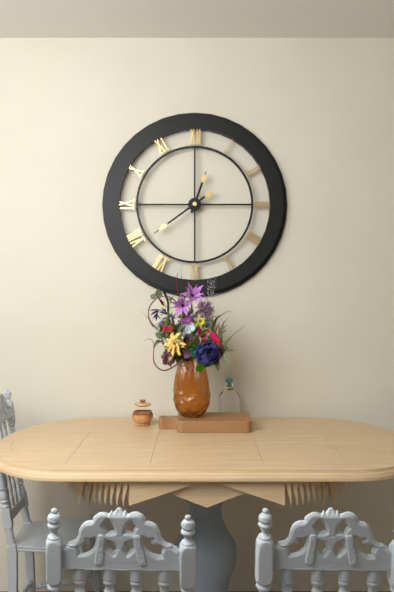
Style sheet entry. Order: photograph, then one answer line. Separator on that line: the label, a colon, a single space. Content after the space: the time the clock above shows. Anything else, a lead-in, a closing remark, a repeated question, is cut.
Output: 12:39
